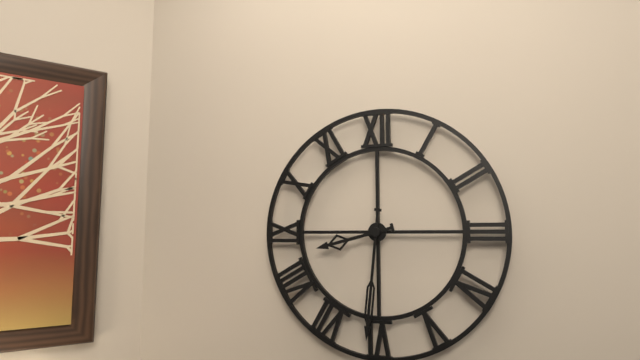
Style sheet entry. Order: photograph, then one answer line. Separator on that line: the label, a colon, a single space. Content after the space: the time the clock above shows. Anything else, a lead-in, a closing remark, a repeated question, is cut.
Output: 8:31
